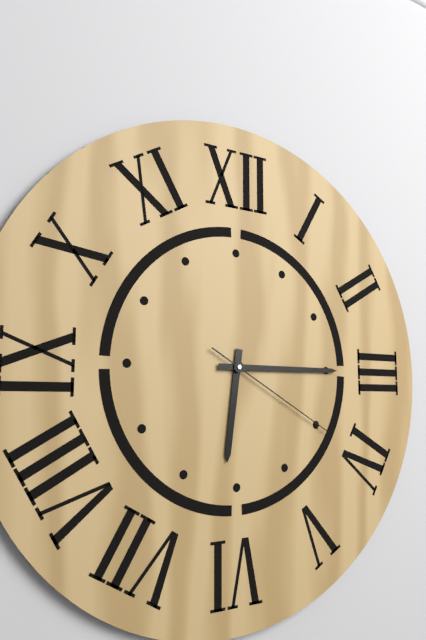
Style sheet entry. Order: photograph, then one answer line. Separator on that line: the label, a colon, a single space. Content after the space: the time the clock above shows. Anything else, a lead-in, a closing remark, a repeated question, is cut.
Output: 6:15:20
